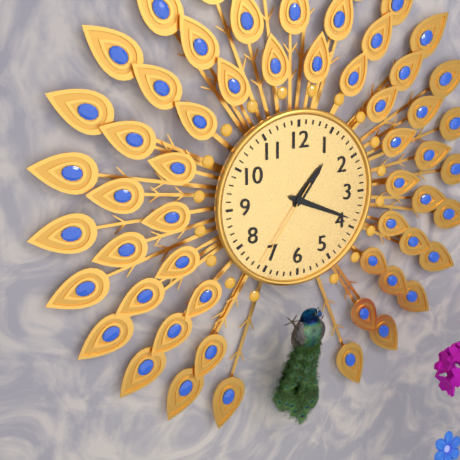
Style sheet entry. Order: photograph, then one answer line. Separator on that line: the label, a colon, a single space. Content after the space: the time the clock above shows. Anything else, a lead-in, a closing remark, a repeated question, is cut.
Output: 1:19:36
